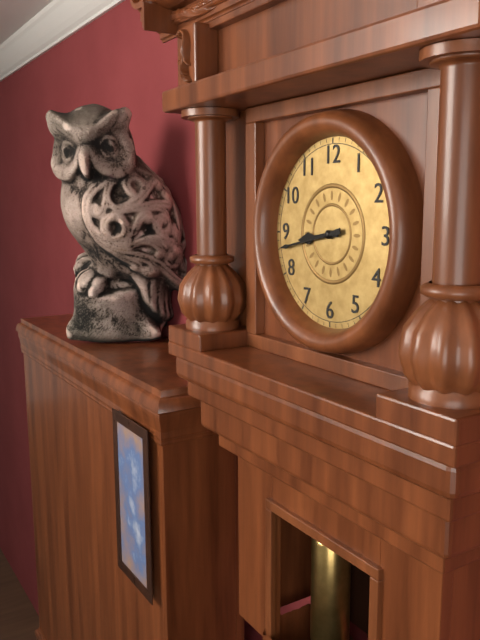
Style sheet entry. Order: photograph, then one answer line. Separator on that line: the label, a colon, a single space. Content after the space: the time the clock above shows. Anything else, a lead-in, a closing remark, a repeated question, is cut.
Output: 8:43
